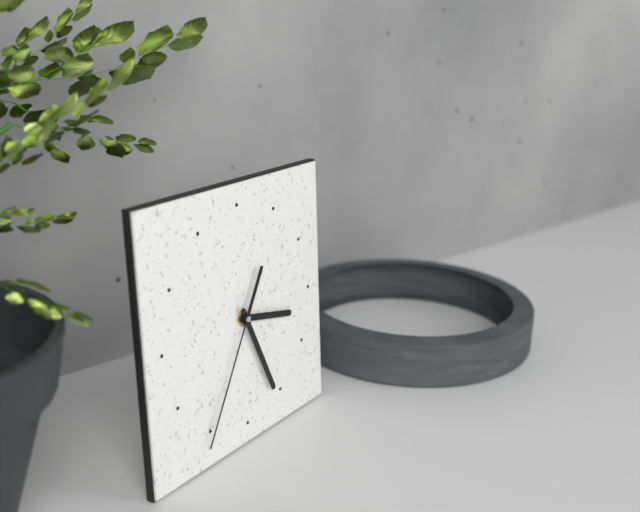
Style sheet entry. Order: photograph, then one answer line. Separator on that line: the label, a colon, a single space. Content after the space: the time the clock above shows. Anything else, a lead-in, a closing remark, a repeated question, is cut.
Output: 3:26:35
